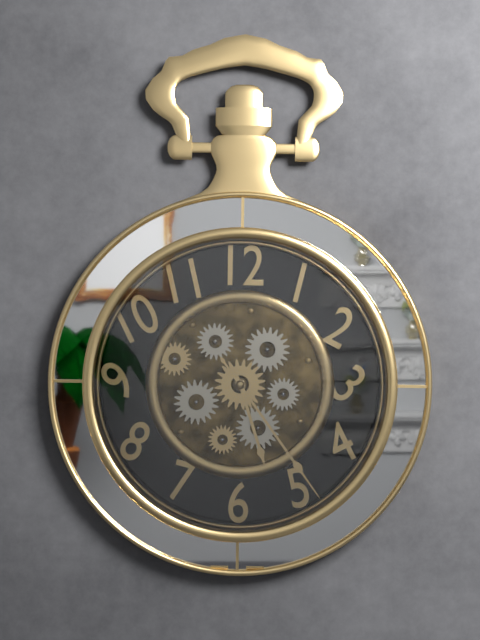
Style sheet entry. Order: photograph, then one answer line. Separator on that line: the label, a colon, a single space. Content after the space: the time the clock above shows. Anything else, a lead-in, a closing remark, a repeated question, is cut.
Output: 5:24
